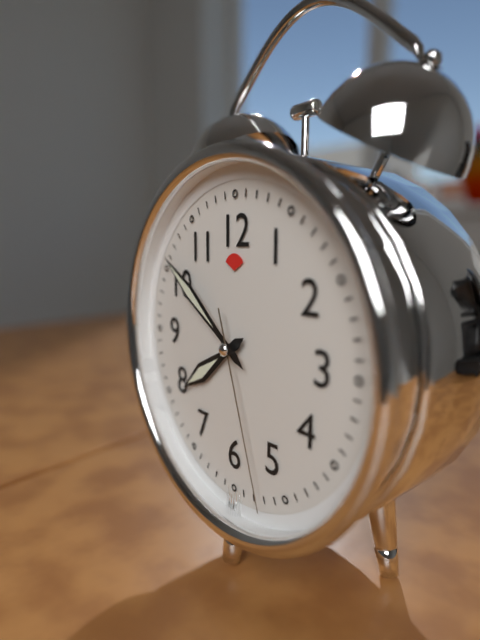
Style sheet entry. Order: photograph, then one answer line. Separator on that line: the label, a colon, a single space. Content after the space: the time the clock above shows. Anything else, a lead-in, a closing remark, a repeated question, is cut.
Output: 7:51:27
